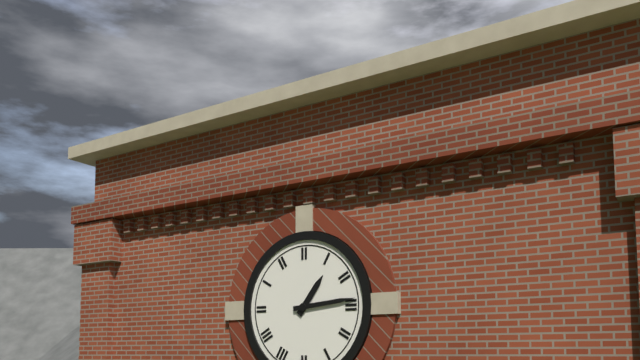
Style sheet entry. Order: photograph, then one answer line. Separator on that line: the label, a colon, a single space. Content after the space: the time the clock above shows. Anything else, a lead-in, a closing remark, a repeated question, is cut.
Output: 1:14
